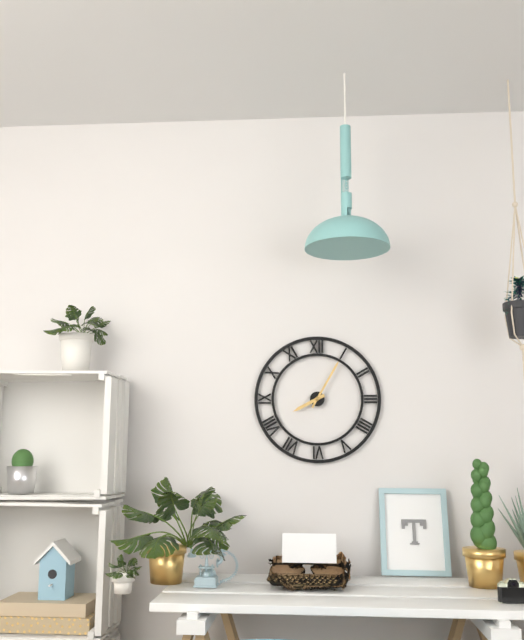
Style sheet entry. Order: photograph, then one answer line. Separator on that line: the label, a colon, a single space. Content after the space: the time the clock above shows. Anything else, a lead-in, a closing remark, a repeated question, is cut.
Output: 8:05
